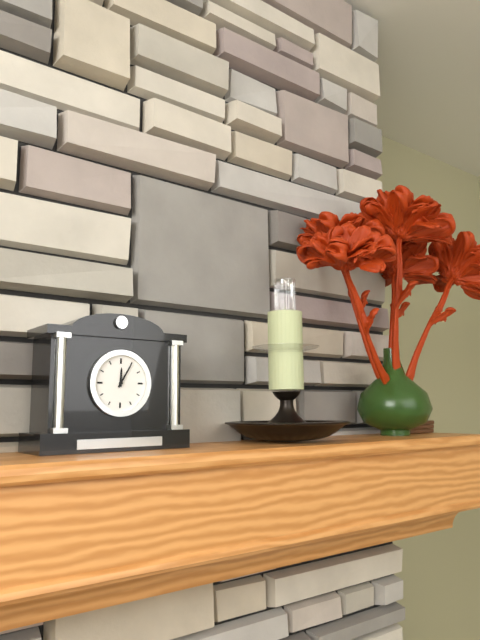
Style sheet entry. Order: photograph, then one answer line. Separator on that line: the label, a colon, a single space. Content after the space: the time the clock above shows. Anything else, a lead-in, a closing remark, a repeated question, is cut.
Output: 12:05
